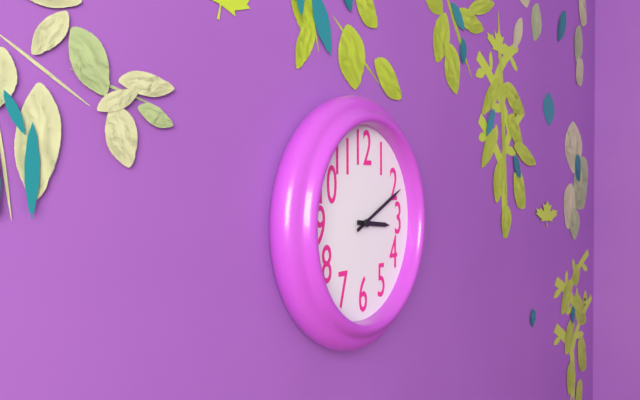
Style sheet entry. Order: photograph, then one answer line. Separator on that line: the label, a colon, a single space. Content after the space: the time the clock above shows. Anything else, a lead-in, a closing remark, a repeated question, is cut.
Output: 3:11
